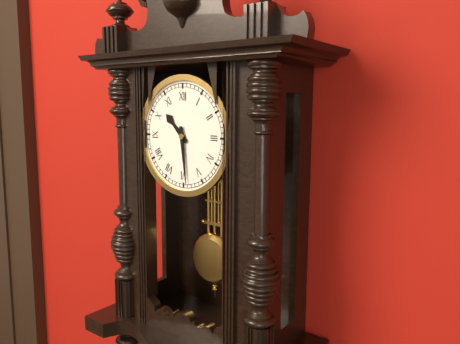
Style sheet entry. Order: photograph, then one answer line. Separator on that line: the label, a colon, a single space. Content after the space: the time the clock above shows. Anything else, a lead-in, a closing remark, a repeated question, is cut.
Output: 10:29
